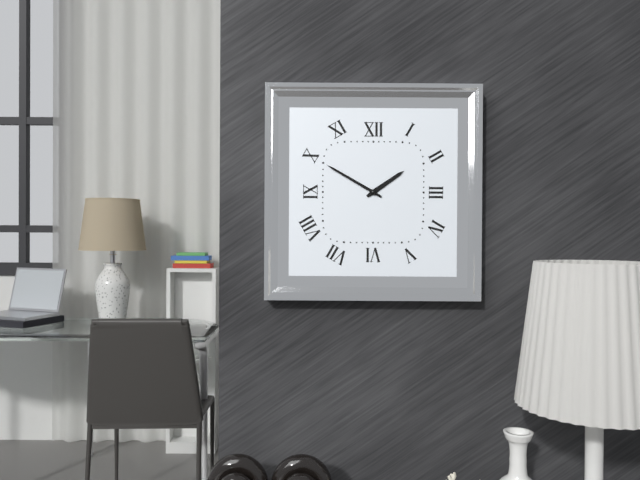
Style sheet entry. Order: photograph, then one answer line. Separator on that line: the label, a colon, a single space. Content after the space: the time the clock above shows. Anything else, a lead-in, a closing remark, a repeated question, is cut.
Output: 1:50
